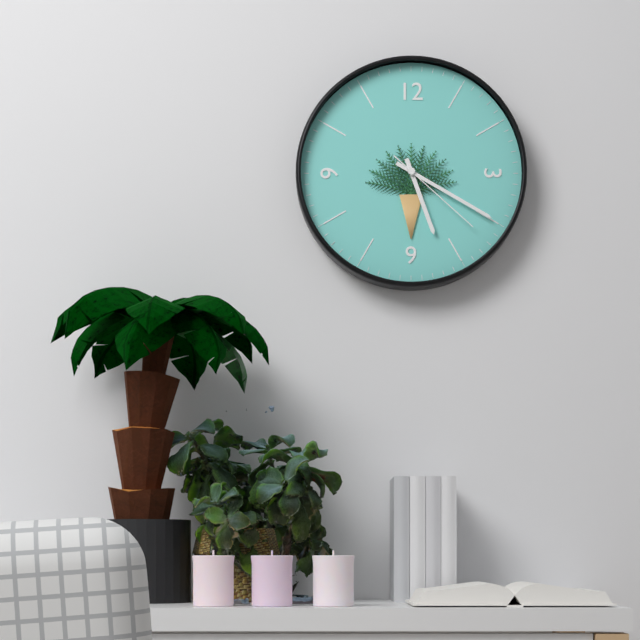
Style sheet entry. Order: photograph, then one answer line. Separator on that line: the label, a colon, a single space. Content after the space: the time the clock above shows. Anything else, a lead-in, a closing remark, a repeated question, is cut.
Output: 5:20:22
